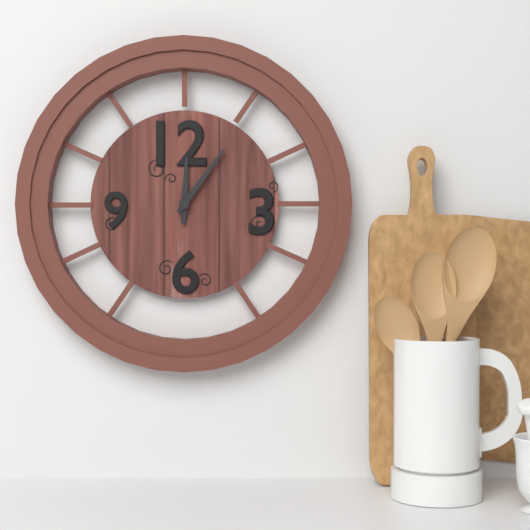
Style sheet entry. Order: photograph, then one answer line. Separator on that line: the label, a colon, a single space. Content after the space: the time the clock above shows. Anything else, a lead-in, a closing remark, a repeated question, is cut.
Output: 12:06
